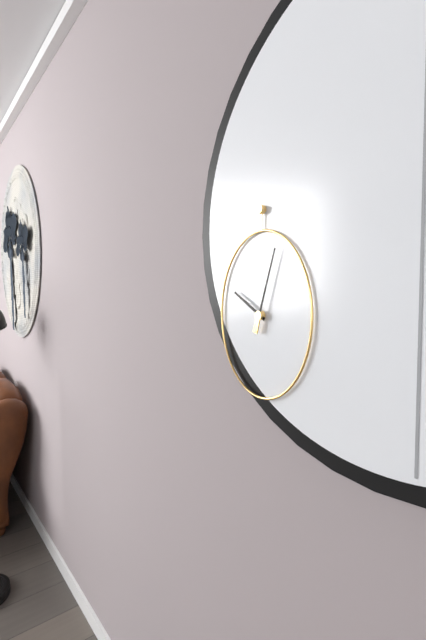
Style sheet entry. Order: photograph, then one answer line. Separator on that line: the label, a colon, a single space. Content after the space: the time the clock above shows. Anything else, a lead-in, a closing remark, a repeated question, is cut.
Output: 10:03
